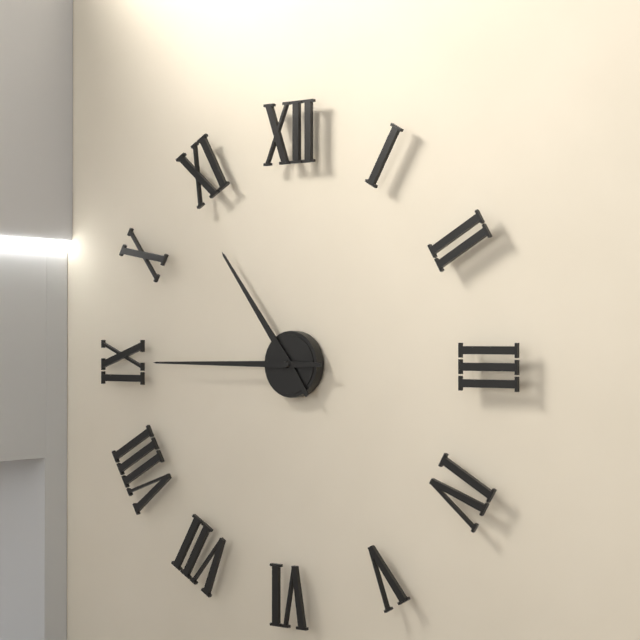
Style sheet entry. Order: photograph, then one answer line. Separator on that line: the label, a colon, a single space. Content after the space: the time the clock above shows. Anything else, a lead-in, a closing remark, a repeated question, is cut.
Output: 10:45
